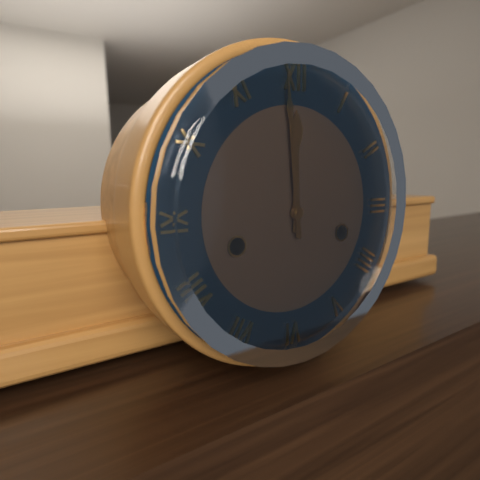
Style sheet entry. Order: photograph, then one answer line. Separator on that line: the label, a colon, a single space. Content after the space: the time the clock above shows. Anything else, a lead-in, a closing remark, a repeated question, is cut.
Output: 11:59
